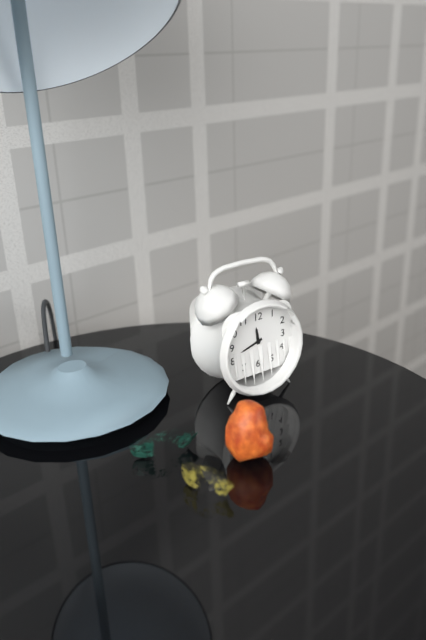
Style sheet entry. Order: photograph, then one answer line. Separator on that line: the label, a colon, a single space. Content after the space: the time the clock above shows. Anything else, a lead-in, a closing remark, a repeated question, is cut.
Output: 11:42
